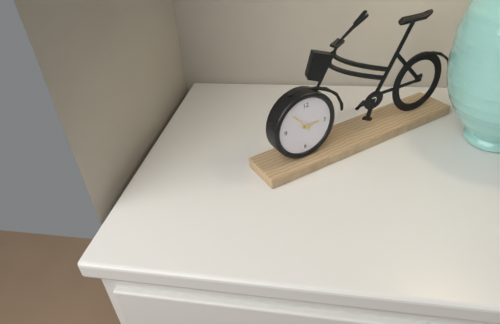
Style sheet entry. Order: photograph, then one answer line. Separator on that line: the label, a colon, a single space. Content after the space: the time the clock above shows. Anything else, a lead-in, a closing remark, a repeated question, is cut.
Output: 2:53
